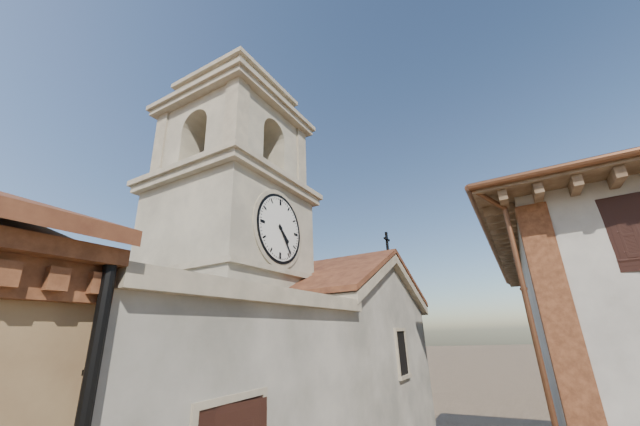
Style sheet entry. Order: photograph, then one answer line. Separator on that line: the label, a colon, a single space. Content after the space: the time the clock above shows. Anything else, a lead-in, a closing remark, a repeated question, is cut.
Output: 4:24
